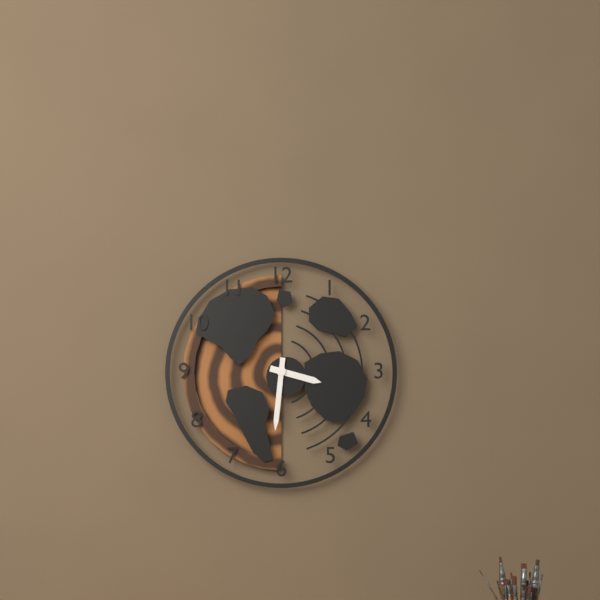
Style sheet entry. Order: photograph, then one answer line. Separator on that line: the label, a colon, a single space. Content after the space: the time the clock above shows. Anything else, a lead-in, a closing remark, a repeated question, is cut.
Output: 3:31
